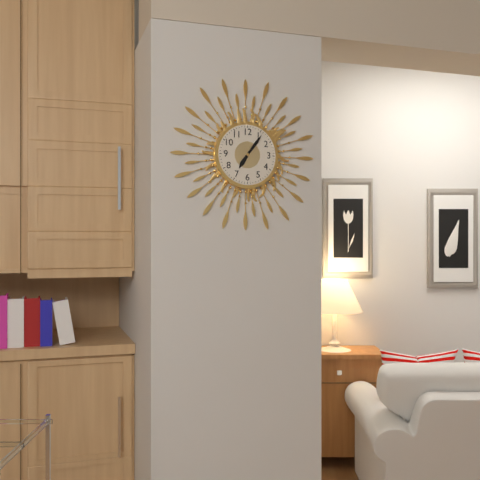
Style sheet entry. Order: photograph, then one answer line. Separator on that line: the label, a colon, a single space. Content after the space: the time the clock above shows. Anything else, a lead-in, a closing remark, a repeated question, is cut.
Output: 7:06
